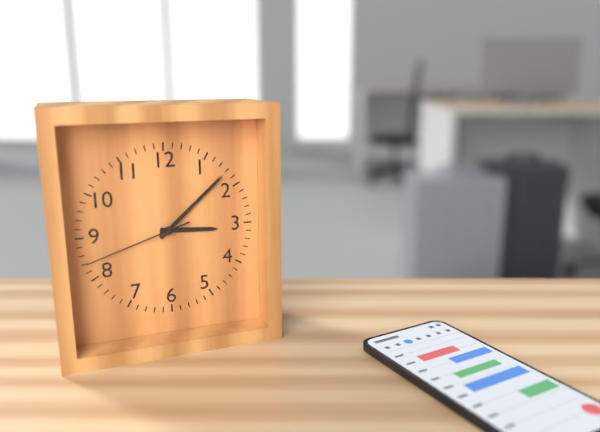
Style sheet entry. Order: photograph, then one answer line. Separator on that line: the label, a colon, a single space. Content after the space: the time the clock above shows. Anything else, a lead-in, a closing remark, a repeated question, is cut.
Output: 3:08:42
